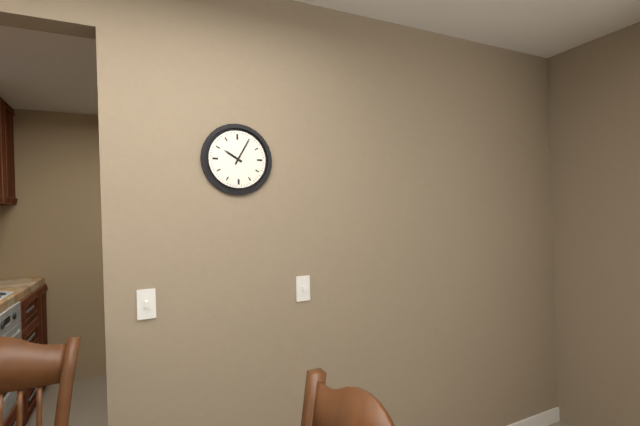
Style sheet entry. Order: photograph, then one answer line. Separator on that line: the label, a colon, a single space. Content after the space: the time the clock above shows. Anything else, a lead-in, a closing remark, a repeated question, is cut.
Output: 10:05
